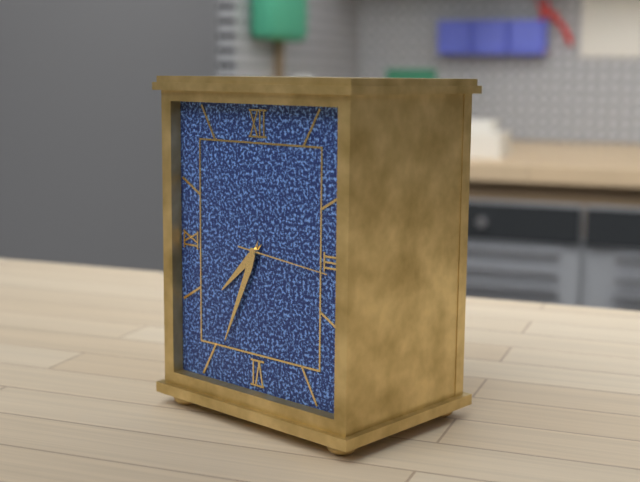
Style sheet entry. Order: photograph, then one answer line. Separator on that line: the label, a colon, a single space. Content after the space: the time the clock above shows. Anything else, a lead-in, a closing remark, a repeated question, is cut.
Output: 7:34:16
